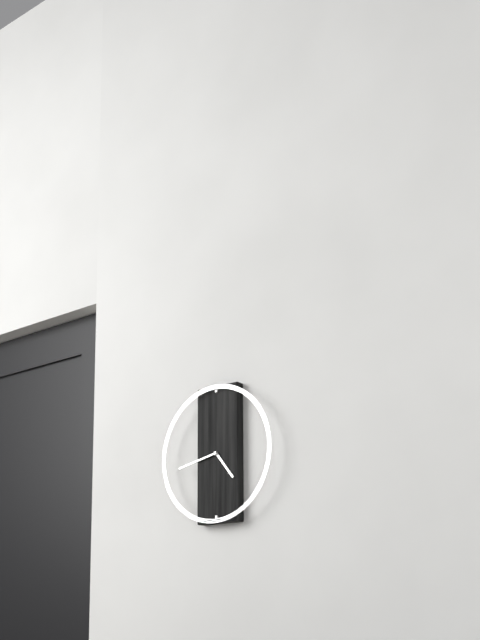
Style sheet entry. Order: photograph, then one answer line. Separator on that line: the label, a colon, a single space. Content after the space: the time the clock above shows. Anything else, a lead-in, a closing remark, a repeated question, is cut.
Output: 4:43
